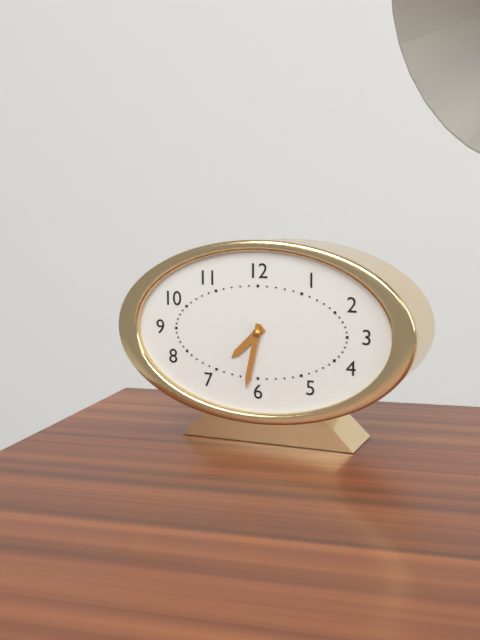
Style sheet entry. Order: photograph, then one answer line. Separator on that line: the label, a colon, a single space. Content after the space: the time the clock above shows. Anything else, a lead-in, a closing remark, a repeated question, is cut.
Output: 7:32
